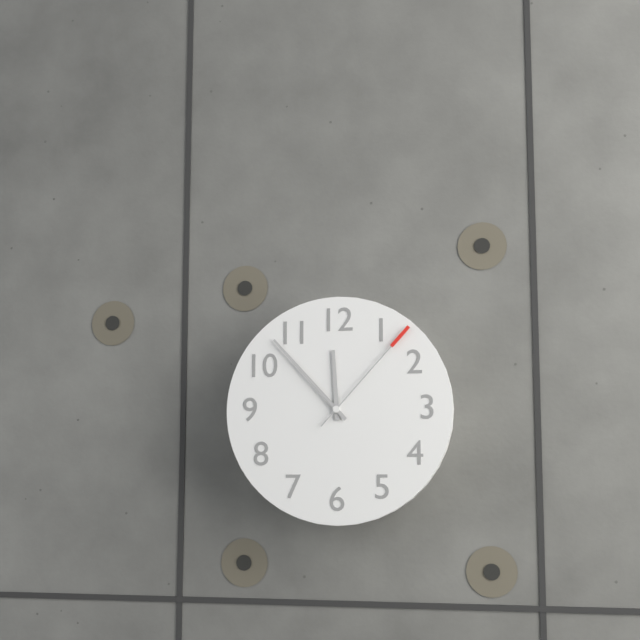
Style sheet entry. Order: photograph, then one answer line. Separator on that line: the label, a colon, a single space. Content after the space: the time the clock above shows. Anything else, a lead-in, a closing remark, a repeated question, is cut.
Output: 11:53:07
